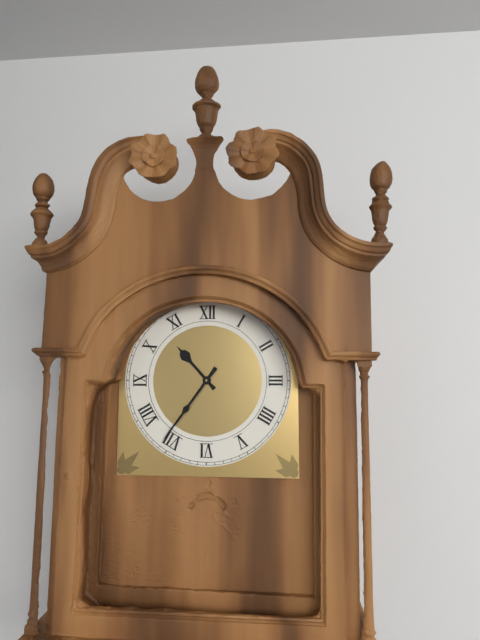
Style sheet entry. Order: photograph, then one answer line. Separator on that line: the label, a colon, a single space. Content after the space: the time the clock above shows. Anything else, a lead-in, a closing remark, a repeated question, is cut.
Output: 10:36
